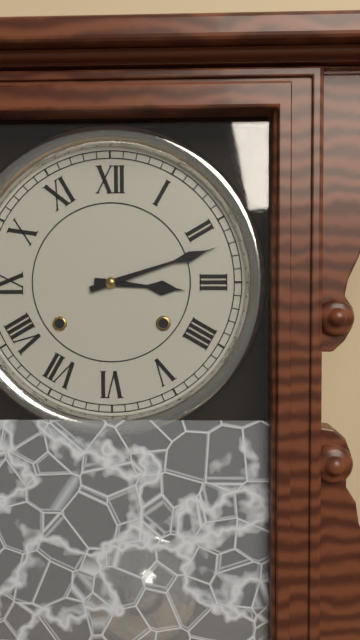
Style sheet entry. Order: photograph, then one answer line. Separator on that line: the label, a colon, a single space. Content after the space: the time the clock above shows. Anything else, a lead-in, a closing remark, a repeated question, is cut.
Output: 3:12
